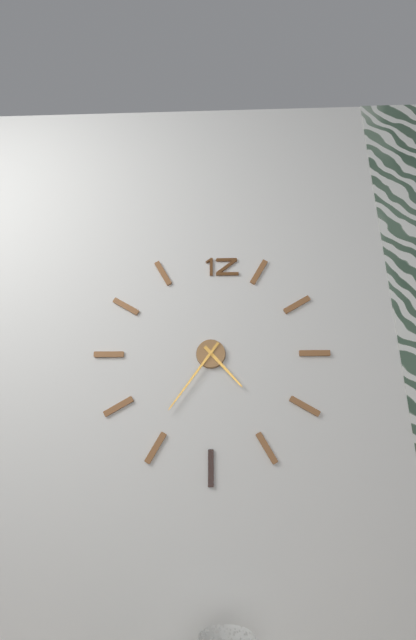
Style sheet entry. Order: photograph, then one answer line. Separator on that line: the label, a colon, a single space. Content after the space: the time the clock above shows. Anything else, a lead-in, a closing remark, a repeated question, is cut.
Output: 4:36
